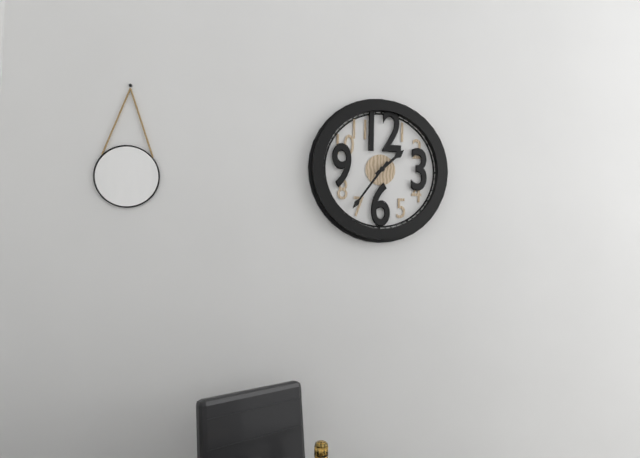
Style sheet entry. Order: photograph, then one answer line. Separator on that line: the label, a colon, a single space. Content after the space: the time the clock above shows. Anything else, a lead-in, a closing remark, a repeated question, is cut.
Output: 1:36
